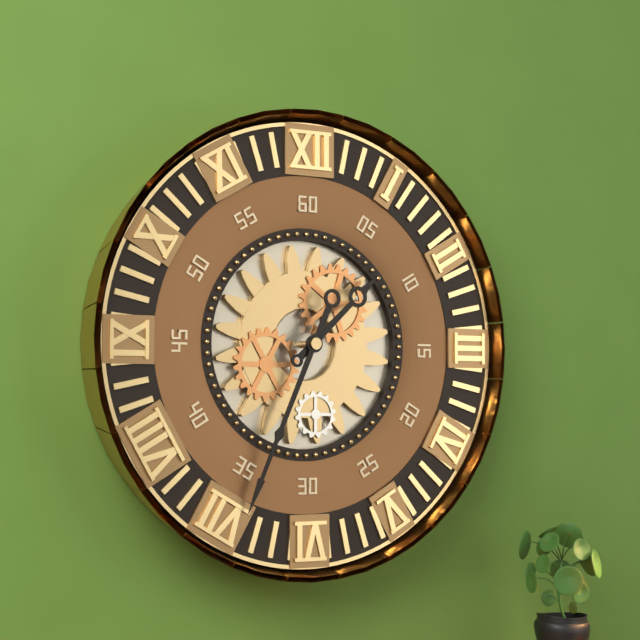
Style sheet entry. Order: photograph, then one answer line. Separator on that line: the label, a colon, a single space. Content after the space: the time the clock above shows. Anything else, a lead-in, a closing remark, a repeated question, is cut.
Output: 1:34
